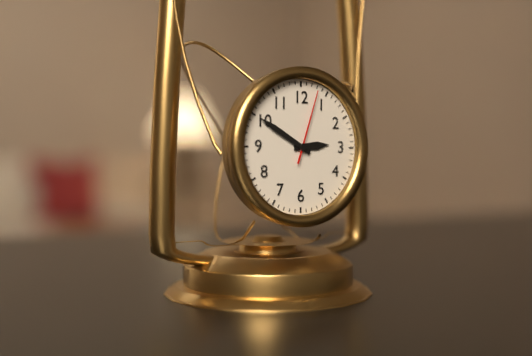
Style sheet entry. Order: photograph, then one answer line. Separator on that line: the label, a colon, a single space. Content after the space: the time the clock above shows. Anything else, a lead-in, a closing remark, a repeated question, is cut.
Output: 2:50:03
